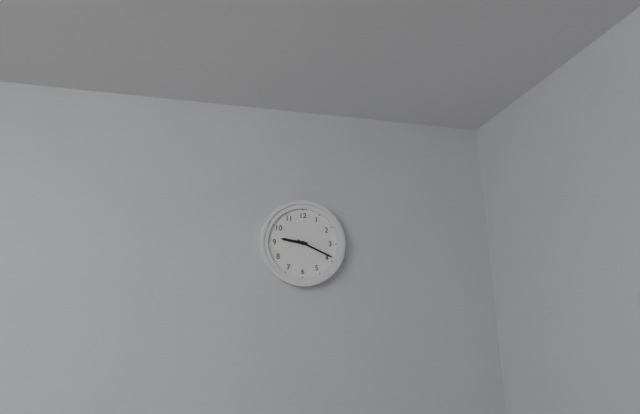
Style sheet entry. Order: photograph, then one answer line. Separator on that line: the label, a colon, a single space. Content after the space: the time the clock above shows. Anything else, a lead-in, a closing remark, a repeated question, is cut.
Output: 9:19
